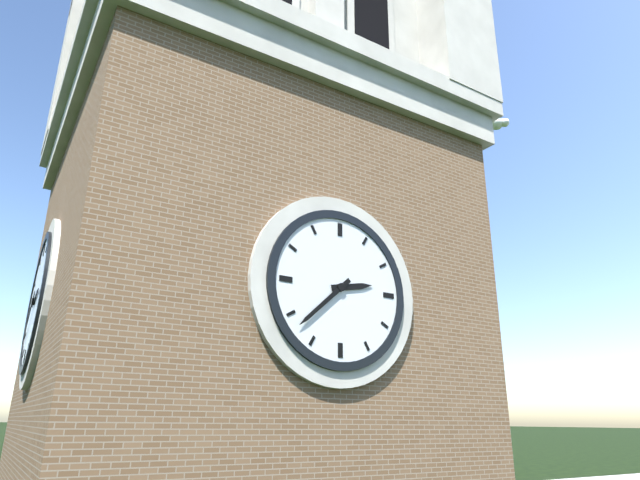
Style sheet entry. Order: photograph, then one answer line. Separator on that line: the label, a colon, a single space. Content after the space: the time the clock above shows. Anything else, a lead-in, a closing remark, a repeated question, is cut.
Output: 2:38
